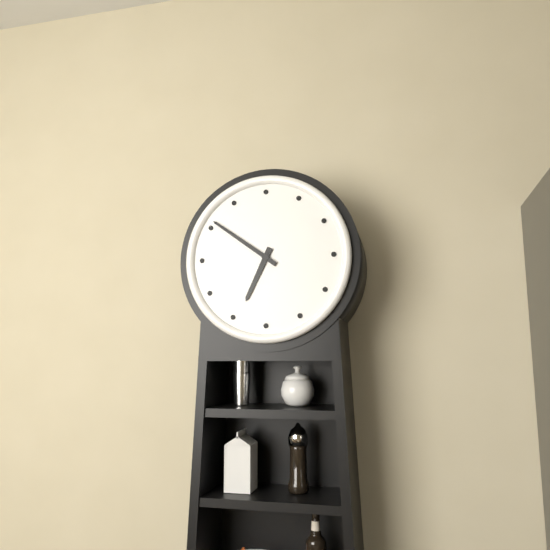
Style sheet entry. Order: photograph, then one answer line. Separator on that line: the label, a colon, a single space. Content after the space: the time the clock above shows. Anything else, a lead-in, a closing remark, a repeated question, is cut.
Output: 6:51
